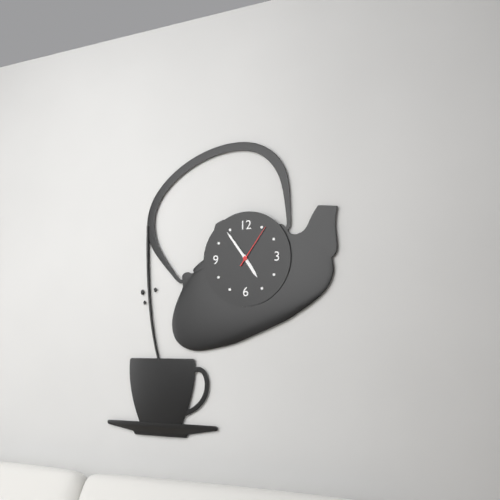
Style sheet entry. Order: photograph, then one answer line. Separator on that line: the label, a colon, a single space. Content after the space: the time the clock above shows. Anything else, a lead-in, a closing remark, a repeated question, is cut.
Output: 4:54
